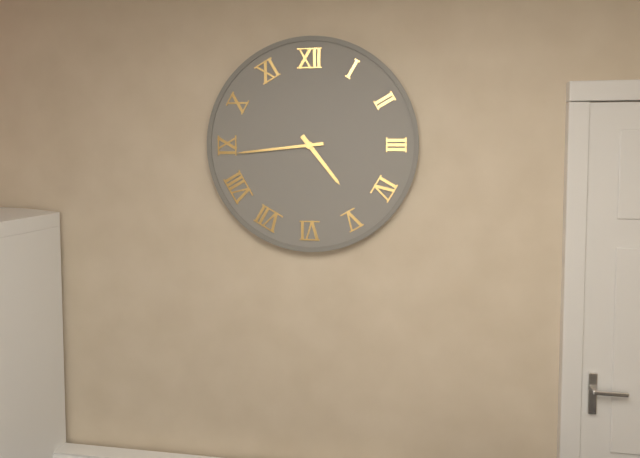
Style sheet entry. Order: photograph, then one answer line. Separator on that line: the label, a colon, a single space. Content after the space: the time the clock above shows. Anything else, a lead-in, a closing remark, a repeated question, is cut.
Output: 4:44
